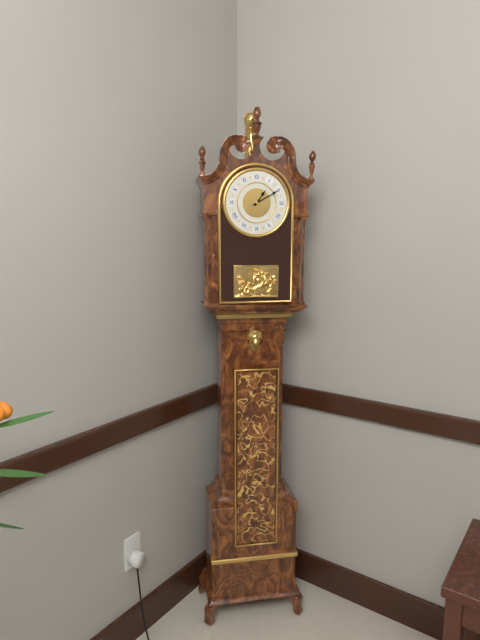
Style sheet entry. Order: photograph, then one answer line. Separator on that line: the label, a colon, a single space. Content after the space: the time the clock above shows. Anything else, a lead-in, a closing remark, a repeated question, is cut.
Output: 1:10
